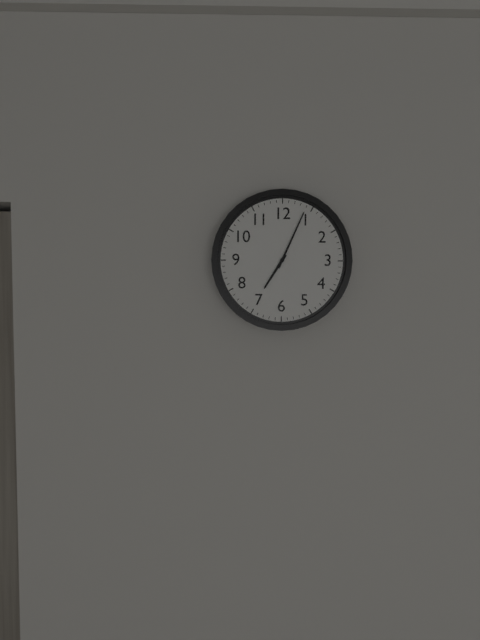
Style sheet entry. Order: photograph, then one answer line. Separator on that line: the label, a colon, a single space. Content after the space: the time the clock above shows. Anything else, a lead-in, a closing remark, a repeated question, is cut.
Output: 7:04
